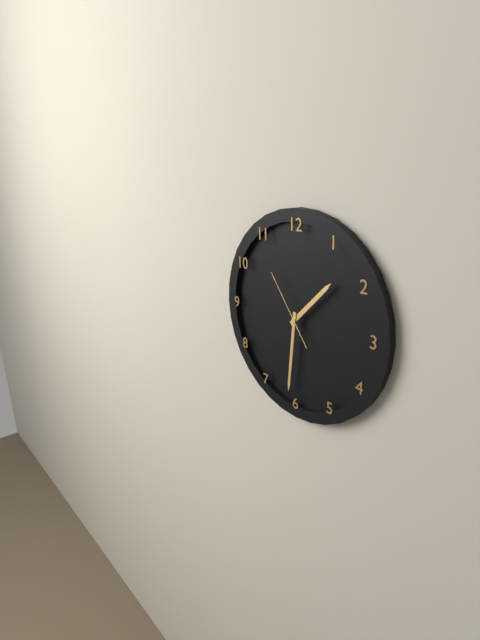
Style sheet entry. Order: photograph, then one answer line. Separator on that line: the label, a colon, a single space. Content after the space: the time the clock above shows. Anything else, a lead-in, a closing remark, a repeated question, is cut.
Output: 1:31:54
